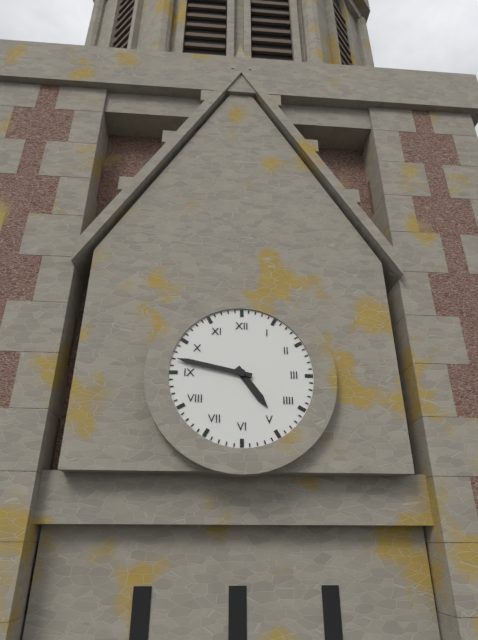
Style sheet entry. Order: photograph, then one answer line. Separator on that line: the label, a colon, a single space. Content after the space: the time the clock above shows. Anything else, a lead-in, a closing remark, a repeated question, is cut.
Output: 4:47
